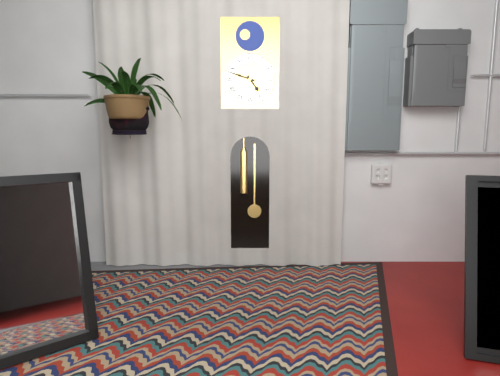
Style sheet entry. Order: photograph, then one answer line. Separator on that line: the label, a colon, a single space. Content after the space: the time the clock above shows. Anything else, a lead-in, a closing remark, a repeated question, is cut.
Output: 4:48
